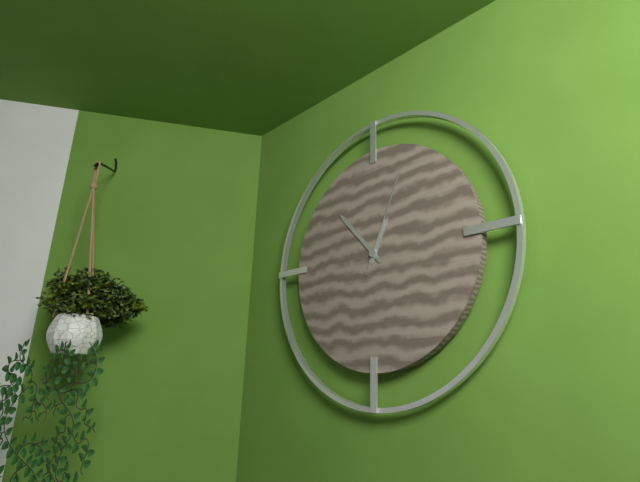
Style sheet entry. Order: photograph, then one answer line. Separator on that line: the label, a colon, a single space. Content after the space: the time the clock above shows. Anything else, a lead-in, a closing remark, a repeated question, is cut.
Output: 12:53:04
